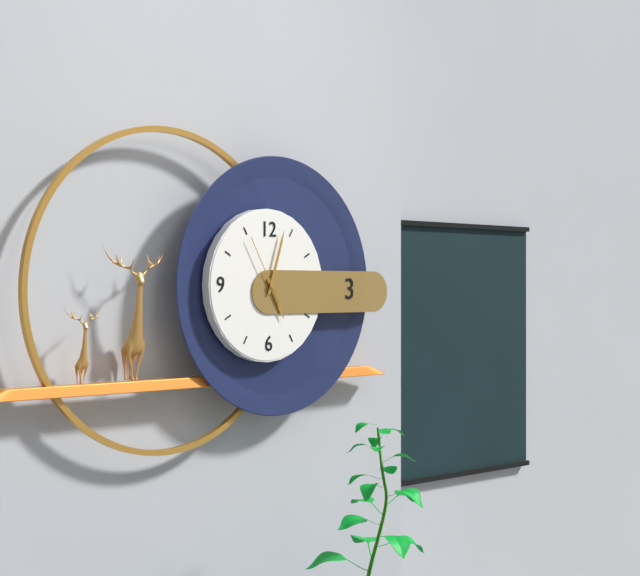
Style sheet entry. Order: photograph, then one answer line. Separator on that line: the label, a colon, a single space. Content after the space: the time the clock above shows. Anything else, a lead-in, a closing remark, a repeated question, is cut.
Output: 5:03:55
